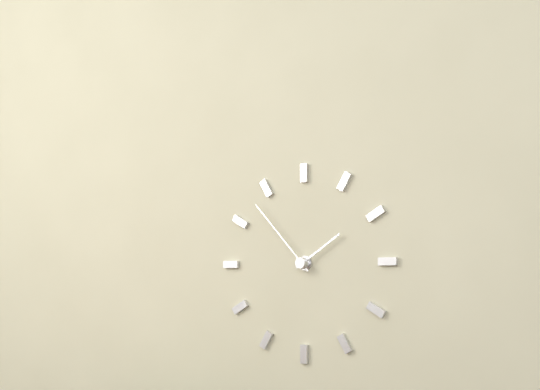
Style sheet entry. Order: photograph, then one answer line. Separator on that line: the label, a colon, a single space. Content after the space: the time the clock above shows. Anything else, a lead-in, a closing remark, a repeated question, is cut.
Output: 1:53
